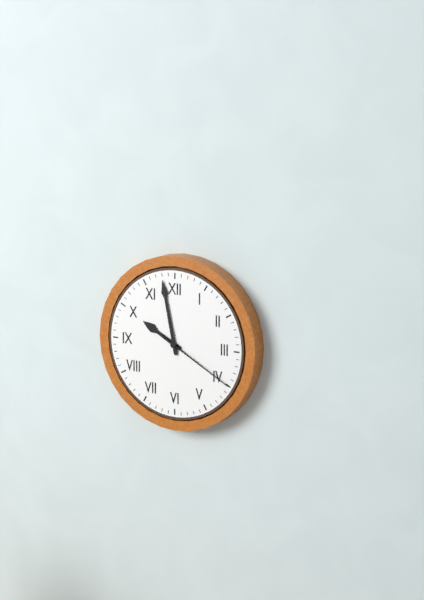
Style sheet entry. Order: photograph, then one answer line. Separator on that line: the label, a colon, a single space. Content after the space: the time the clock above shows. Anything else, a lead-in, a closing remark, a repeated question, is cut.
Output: 9:58:20
